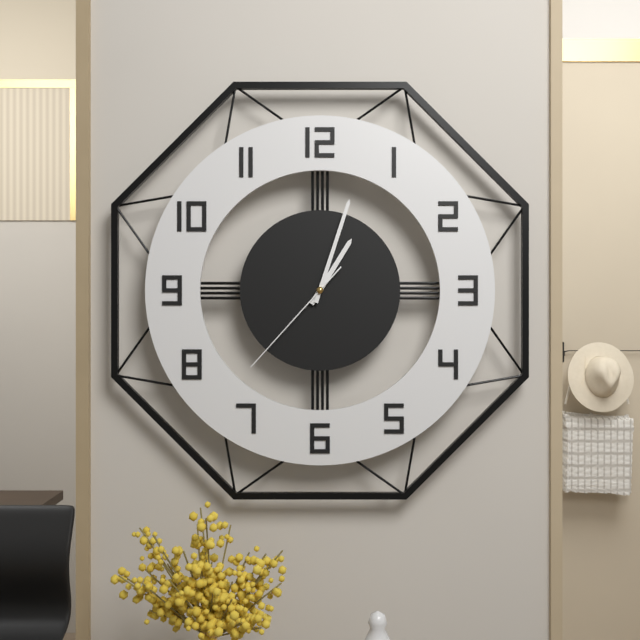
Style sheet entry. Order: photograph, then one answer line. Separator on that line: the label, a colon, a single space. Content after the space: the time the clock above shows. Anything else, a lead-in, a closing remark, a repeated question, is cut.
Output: 1:03:37
